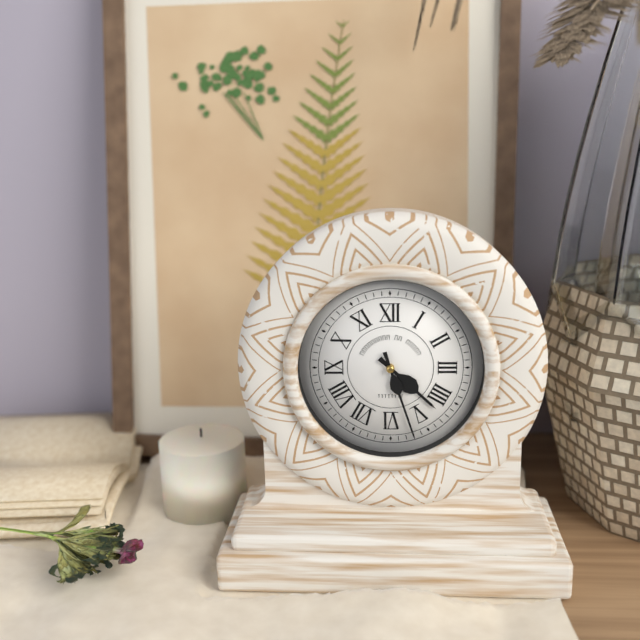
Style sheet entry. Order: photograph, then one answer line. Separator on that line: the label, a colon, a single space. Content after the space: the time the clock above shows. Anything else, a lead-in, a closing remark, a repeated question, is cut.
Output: 4:27
